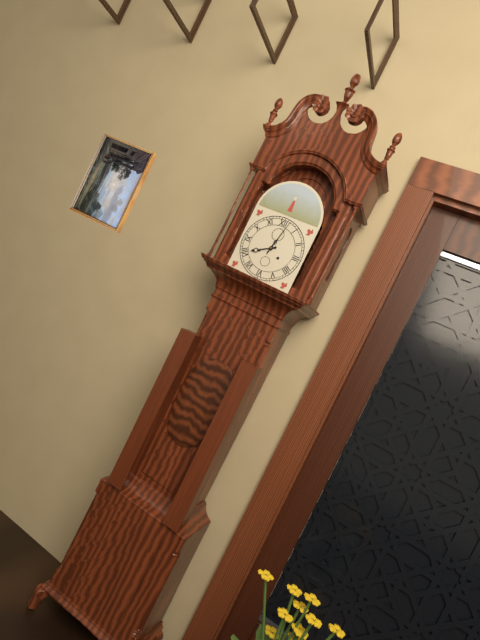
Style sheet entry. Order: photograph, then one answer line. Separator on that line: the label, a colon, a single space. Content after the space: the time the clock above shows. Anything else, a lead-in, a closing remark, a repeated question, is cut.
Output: 8:02
